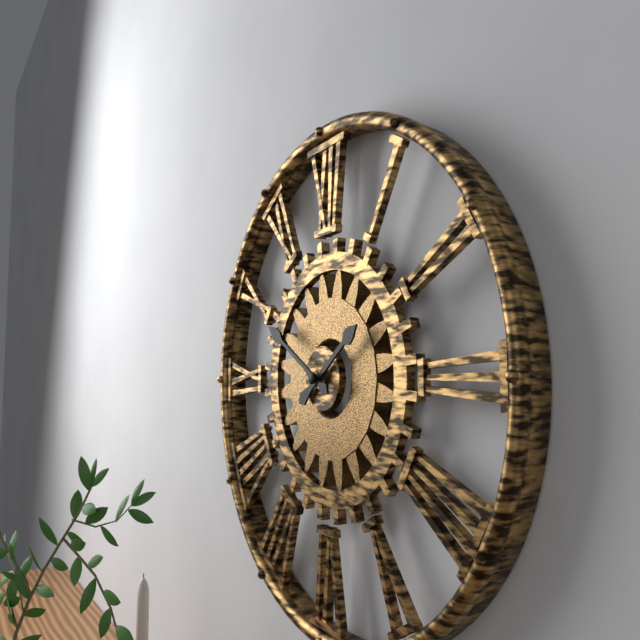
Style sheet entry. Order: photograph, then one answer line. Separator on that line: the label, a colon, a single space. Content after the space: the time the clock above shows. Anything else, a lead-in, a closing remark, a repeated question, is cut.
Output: 1:50
